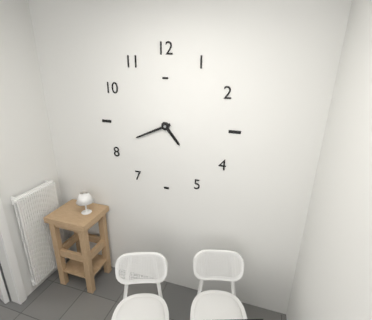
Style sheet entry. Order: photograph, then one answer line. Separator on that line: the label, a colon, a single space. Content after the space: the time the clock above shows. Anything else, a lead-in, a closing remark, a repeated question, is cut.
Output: 4:41
